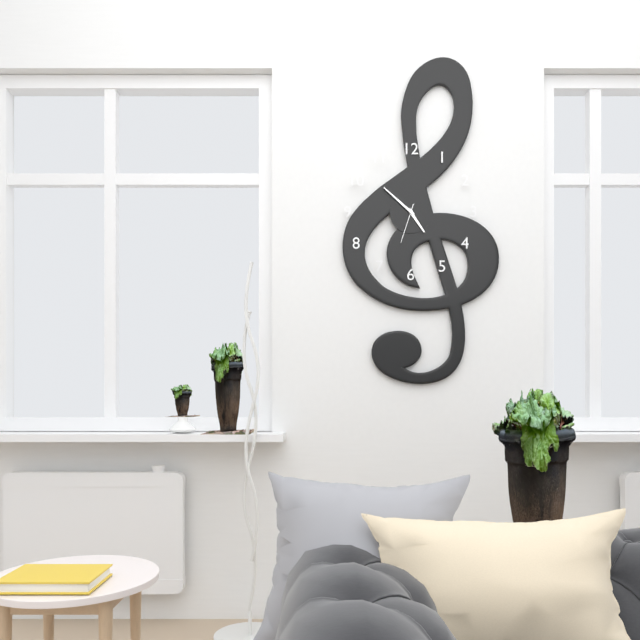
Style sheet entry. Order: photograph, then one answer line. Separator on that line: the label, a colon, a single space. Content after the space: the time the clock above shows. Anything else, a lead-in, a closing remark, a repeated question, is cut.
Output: 4:52
